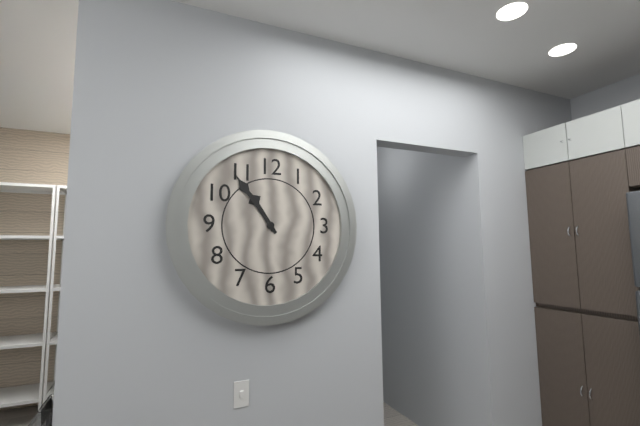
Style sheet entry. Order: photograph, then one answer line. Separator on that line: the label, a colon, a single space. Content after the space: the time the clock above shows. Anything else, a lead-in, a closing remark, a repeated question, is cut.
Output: 10:54
